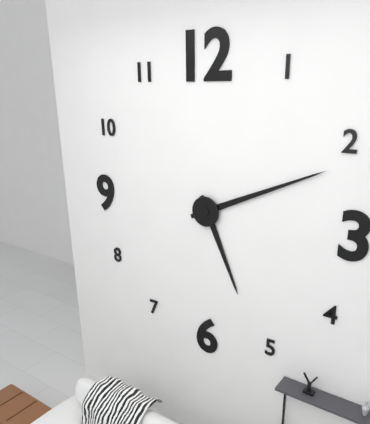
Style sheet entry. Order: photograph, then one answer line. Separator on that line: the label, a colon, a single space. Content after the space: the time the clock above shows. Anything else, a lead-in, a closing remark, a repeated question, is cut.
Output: 5:11
